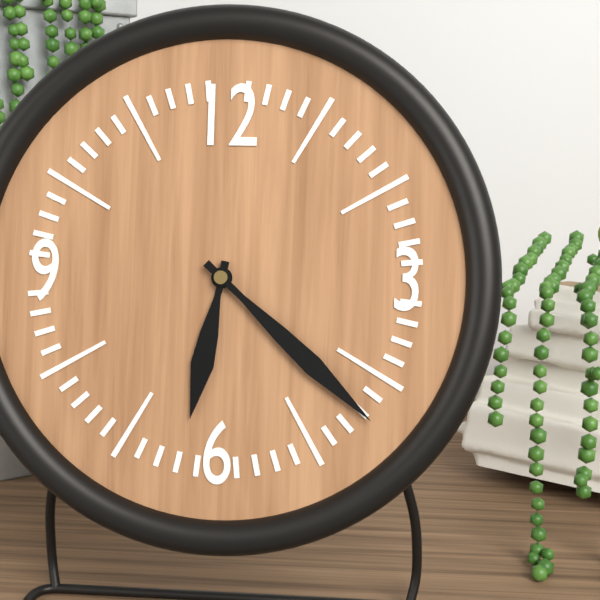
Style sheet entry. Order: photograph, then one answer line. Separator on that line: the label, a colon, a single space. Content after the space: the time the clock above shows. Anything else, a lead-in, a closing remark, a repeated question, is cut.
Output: 6:22
